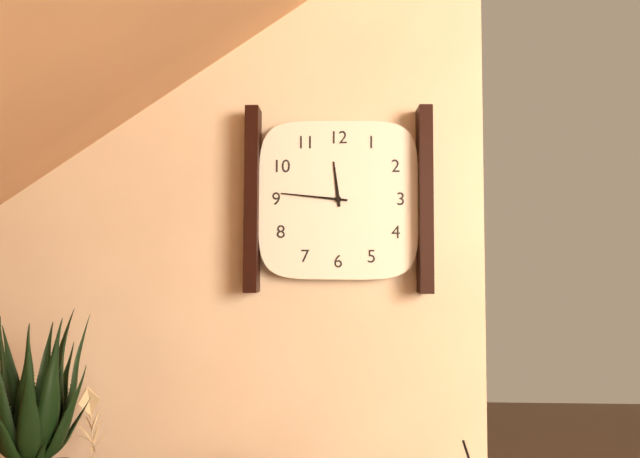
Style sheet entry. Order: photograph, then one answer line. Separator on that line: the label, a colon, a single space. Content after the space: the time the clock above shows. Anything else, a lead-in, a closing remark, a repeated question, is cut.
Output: 11:46
